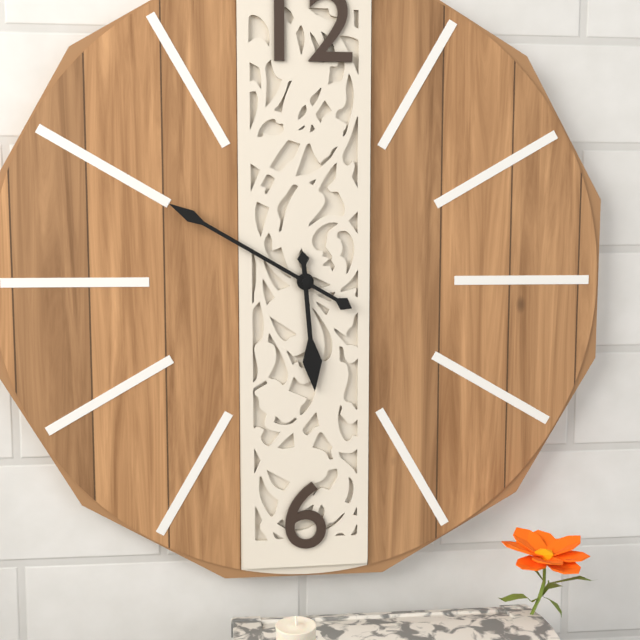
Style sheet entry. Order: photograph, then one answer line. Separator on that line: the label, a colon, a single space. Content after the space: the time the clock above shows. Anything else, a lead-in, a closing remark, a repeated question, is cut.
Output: 5:50
